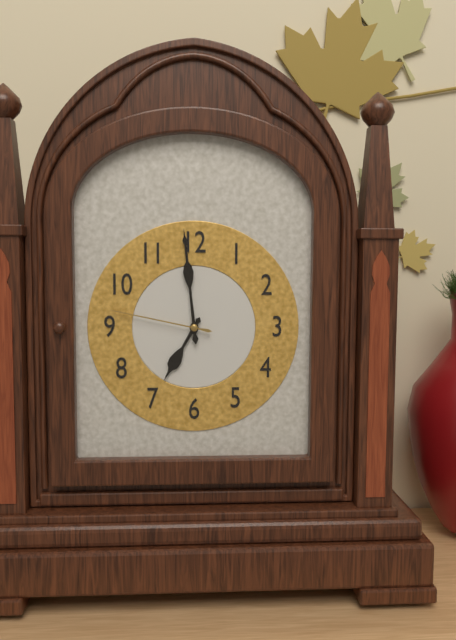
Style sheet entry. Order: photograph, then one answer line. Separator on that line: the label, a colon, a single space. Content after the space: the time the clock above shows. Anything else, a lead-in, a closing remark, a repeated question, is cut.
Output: 6:59:47
